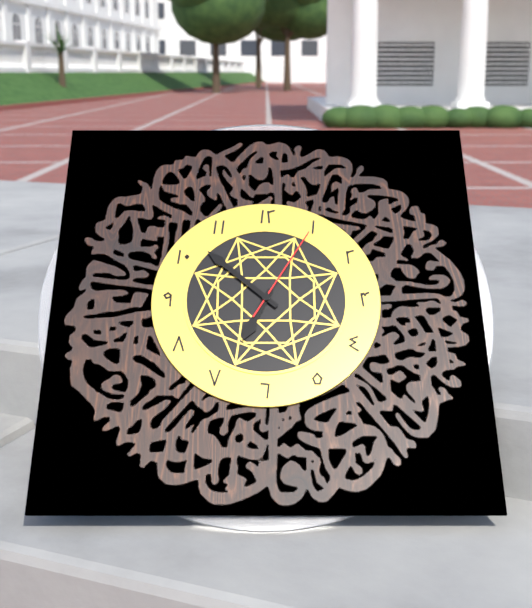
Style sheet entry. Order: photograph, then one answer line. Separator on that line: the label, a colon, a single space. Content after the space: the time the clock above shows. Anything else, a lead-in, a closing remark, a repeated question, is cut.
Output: 6:52:05
